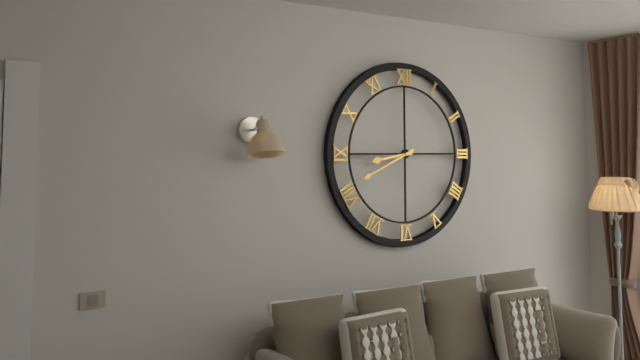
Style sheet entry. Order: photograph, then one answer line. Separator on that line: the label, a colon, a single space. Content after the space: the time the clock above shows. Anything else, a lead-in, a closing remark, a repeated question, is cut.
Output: 8:41
